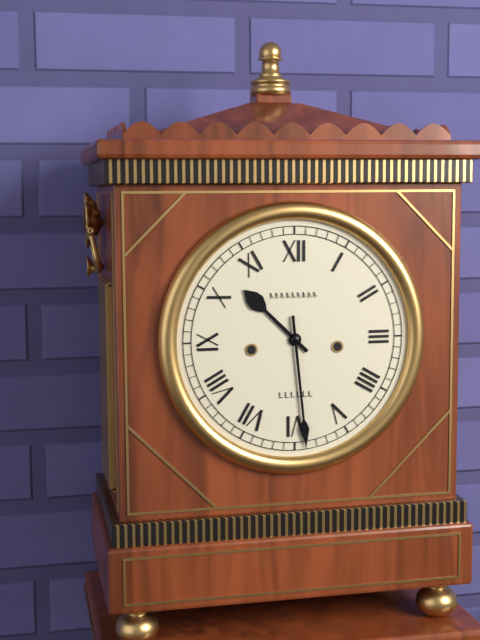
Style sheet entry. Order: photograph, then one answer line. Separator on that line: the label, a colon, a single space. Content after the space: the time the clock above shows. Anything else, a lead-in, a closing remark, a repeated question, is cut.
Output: 10:29
